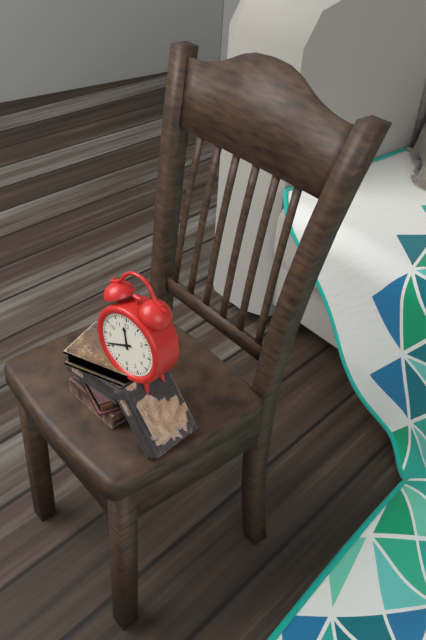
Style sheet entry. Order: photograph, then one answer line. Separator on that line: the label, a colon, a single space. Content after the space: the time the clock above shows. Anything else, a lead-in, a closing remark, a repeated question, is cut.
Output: 11:41
